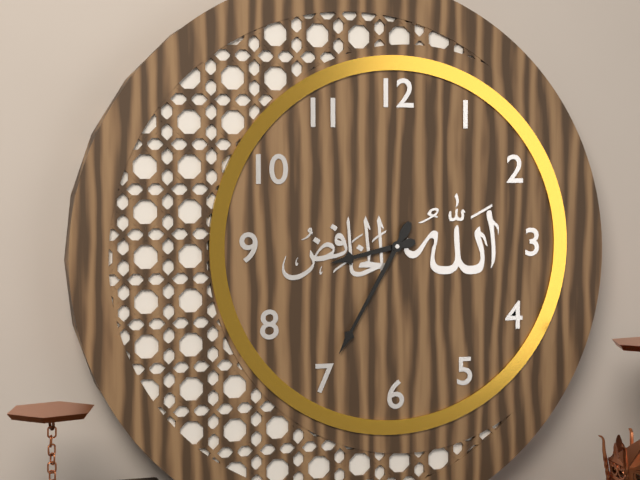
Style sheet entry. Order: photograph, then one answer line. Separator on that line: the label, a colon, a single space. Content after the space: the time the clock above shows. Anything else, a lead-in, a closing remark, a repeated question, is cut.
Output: 8:35
